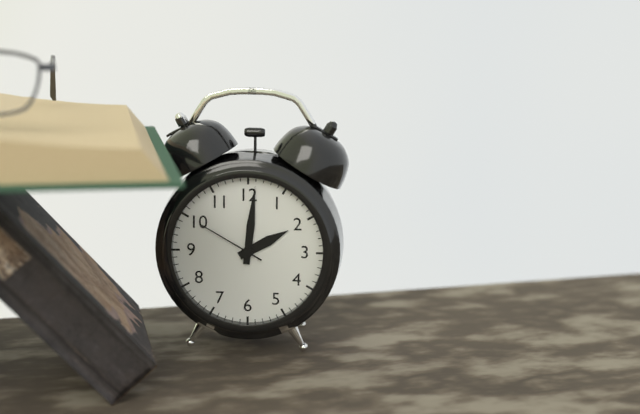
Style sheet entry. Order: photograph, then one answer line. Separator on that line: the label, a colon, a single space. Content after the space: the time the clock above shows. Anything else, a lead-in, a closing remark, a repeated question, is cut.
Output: 2:01:50
